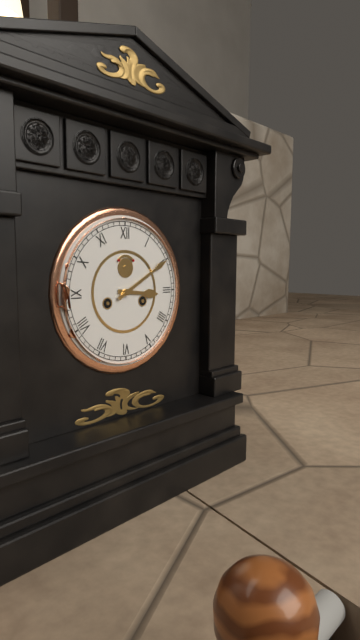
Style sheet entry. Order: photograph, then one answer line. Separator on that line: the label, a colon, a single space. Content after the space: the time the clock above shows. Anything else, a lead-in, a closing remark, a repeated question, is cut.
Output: 3:10
